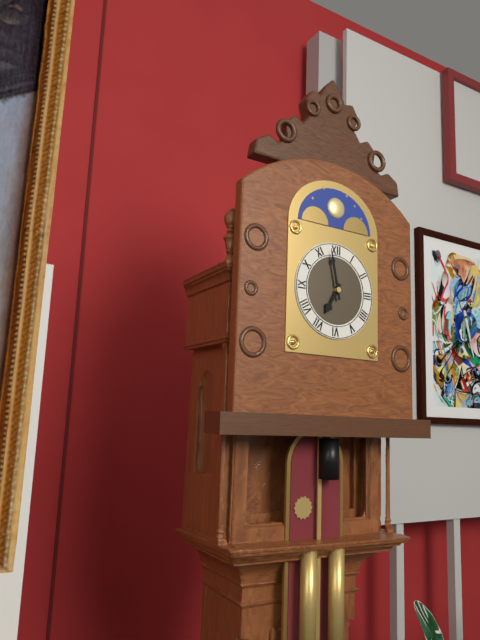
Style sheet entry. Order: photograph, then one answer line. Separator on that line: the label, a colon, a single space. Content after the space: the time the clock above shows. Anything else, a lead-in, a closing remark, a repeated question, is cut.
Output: 6:58
